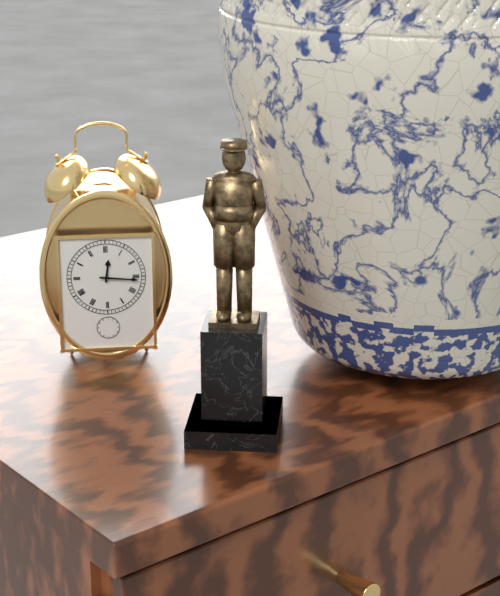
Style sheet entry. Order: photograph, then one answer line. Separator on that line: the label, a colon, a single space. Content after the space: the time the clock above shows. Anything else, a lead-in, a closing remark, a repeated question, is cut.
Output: 12:16
